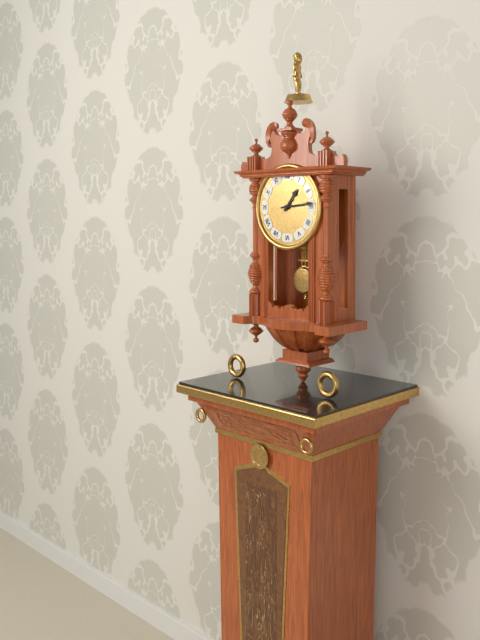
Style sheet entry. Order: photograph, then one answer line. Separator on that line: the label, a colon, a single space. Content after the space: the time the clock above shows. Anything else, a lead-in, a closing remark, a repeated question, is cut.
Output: 1:14
